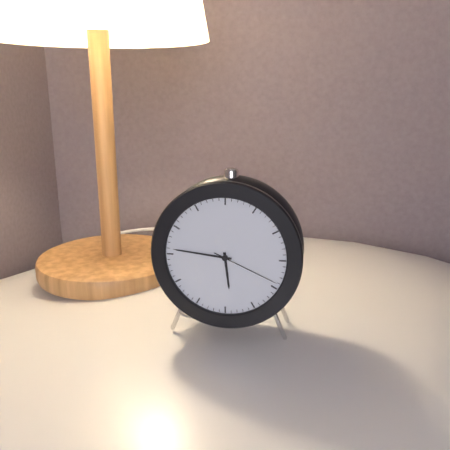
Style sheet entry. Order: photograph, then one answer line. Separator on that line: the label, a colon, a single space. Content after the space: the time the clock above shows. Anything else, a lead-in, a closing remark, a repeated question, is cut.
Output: 5:46:19
